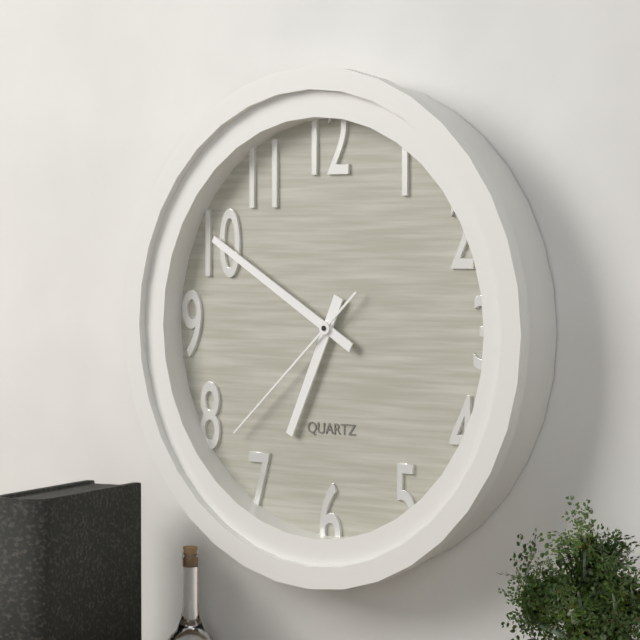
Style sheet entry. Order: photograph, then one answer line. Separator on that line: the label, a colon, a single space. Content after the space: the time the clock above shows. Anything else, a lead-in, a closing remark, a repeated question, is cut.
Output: 6:50:38
